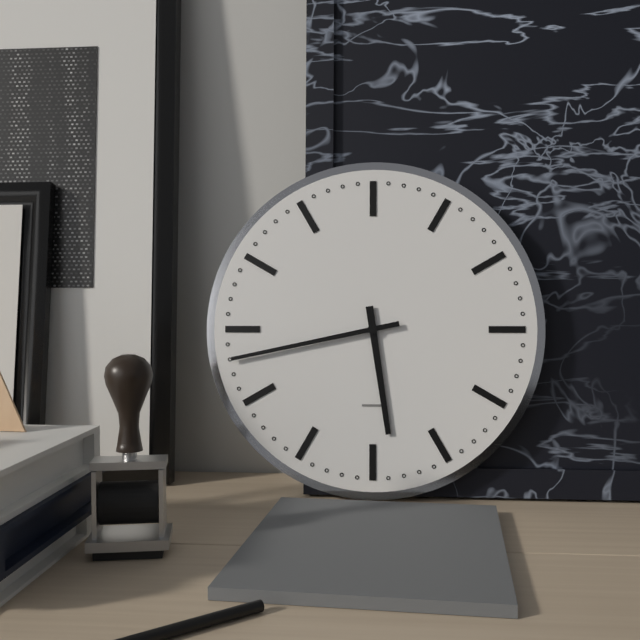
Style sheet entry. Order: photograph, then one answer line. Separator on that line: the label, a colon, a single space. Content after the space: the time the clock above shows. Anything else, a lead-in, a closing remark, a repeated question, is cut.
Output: 5:43
